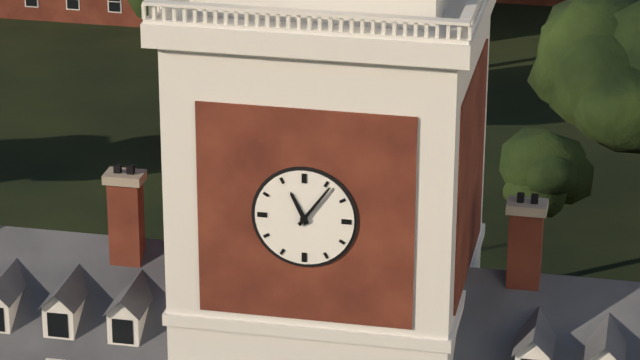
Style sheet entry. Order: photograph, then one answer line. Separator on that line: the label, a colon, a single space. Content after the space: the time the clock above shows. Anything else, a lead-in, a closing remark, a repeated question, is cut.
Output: 11:06
